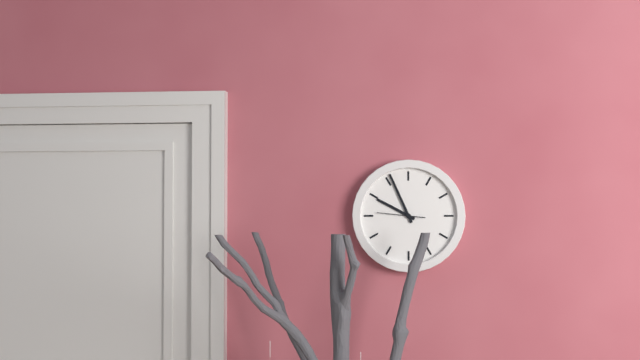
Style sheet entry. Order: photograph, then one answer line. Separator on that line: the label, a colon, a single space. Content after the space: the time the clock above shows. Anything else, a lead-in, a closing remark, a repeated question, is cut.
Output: 9:56
